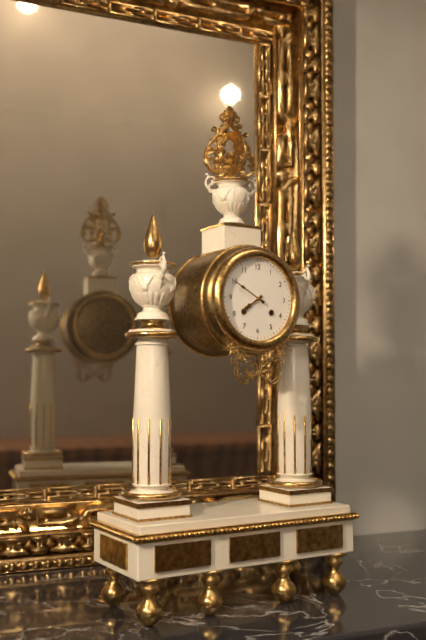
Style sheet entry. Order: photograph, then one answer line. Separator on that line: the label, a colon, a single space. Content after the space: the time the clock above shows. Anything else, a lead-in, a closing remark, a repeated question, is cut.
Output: 7:50
